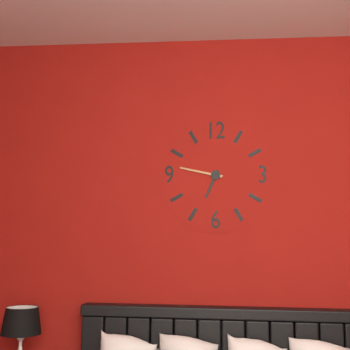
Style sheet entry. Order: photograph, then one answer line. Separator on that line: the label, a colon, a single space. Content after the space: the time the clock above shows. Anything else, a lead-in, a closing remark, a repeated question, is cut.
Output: 6:47
